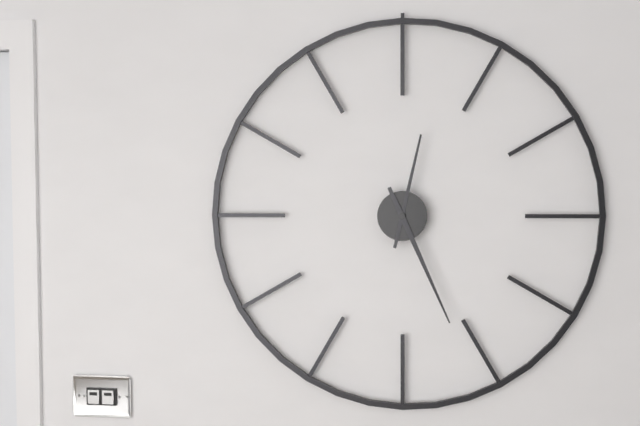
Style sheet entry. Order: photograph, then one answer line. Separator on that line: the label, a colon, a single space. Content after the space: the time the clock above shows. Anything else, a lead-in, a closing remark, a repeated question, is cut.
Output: 12:26
